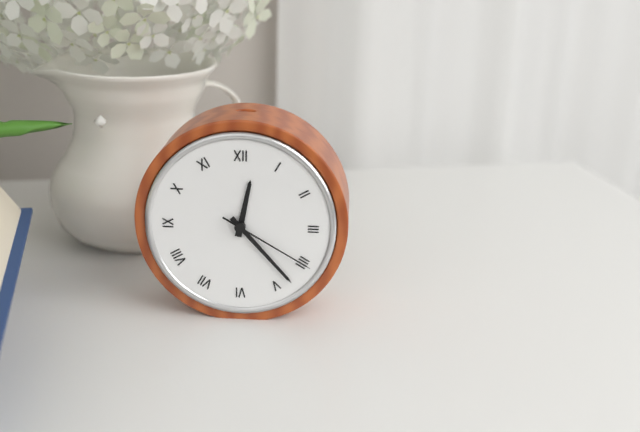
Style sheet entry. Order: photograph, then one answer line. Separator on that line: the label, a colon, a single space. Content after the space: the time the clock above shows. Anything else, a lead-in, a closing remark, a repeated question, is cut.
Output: 12:23:20
